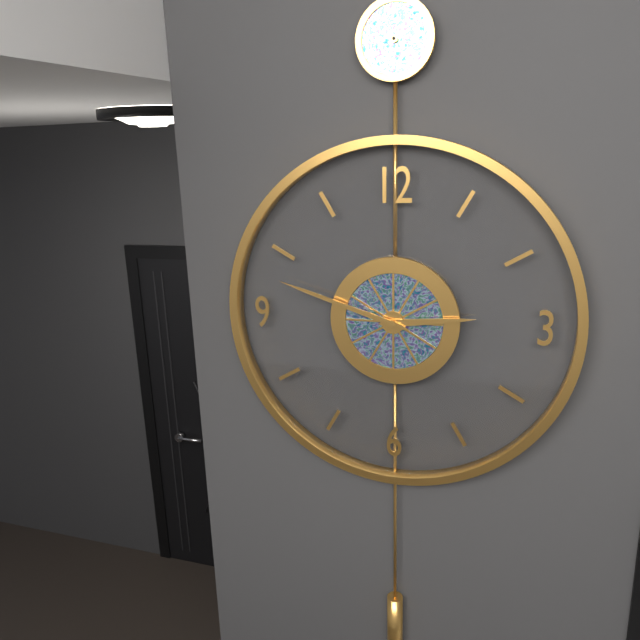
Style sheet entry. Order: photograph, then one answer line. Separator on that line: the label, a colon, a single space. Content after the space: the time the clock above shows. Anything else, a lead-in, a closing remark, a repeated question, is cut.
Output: 2:48
